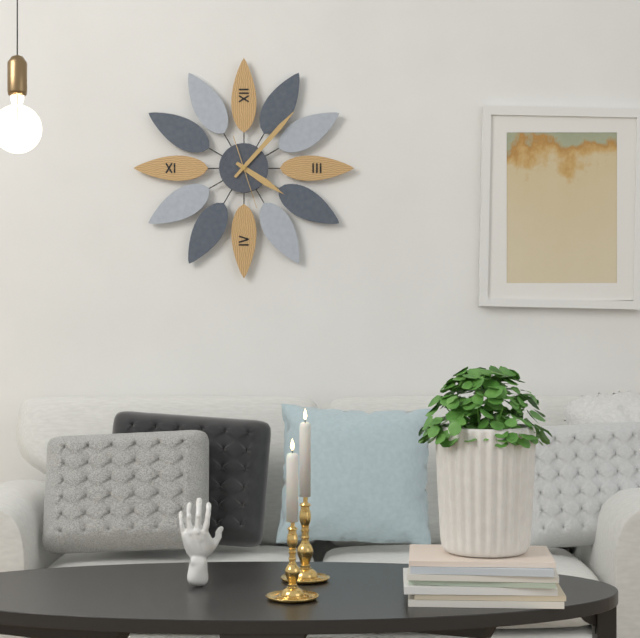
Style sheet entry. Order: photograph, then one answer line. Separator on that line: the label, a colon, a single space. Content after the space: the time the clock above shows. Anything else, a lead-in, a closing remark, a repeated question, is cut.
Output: 4:07:27
